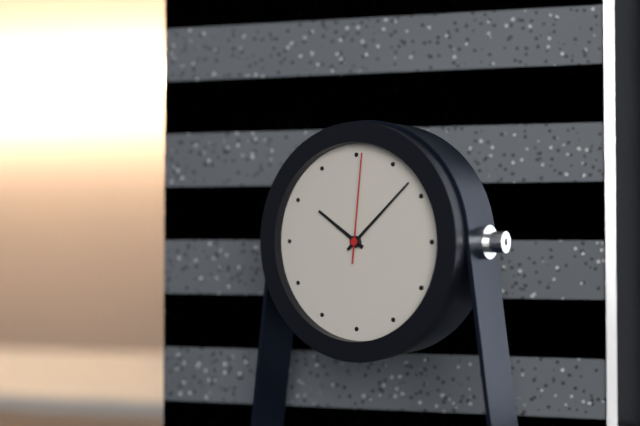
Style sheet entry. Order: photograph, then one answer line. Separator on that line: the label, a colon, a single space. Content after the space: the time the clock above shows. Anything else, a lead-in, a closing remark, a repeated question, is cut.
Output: 10:08:01
